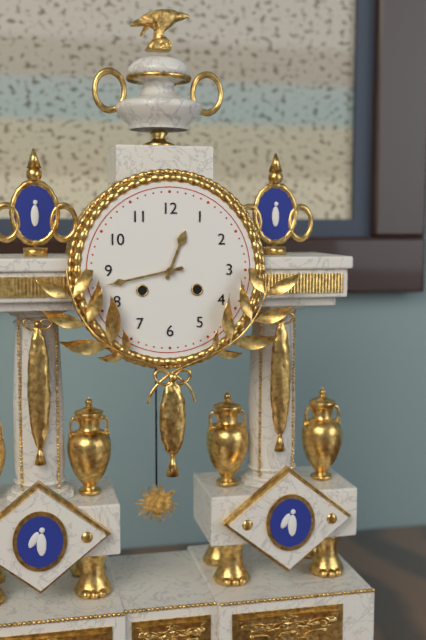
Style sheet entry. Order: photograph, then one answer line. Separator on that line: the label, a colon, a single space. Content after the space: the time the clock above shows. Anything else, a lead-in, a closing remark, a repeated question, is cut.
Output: 12:43
